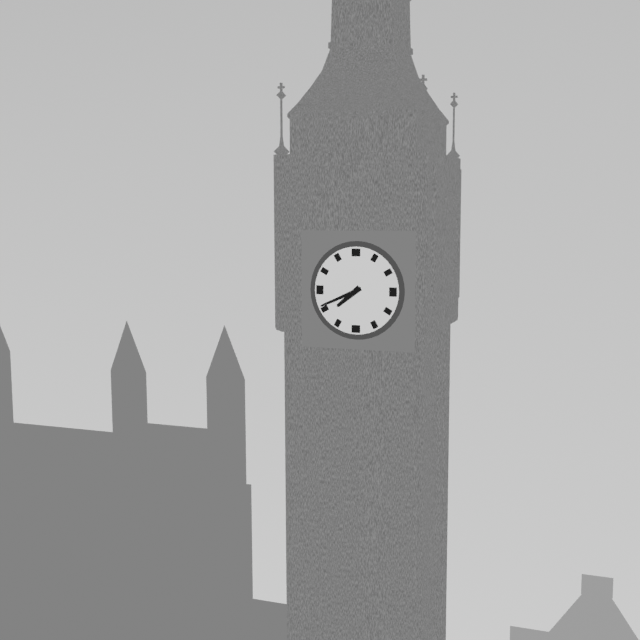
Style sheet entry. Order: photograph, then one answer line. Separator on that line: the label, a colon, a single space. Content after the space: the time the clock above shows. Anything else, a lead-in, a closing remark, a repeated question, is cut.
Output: 7:41
